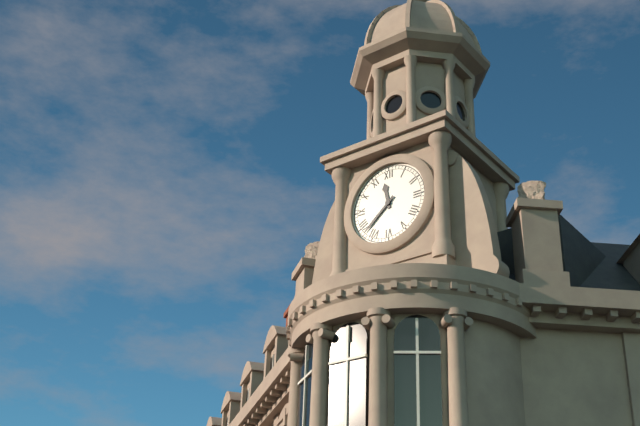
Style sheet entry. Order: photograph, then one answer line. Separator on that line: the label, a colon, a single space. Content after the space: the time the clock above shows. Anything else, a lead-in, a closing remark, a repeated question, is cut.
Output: 11:38
